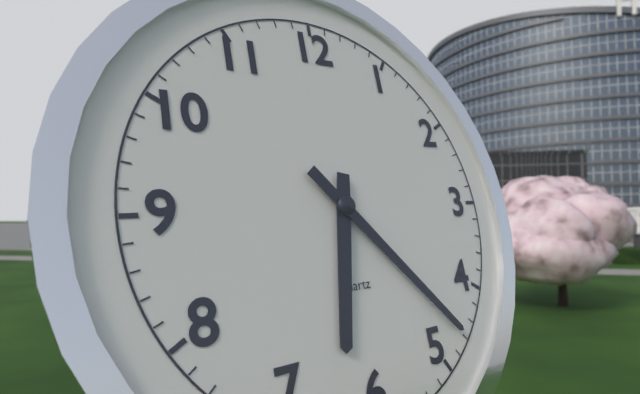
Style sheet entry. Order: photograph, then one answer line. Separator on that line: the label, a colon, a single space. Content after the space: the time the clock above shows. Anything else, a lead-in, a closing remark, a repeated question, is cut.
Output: 6:23
